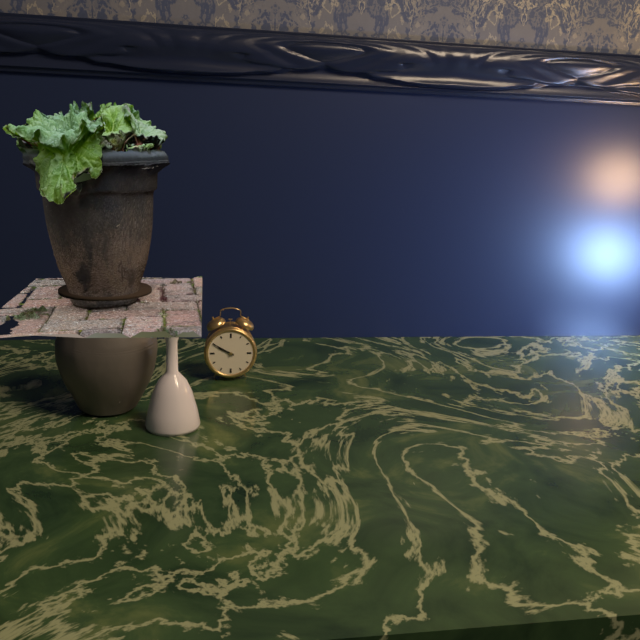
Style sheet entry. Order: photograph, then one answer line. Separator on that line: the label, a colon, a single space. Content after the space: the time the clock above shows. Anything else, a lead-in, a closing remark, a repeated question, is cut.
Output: 9:50
